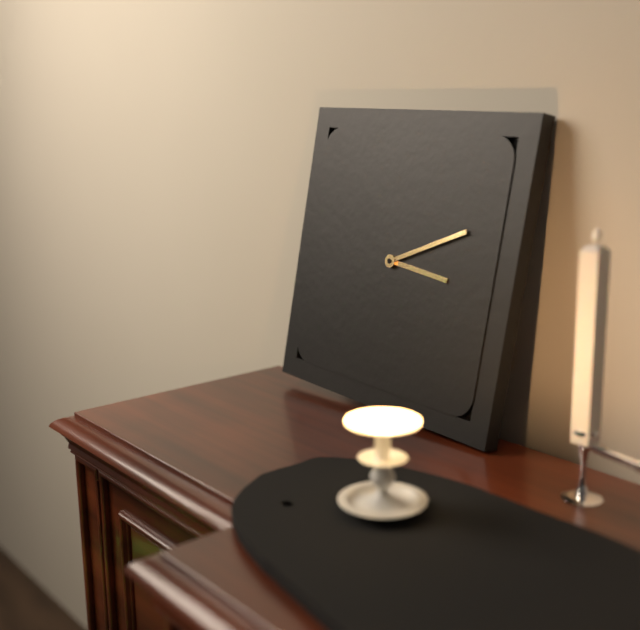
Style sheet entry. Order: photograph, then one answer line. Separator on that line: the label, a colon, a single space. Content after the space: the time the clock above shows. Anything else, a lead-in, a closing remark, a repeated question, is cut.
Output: 3:11
